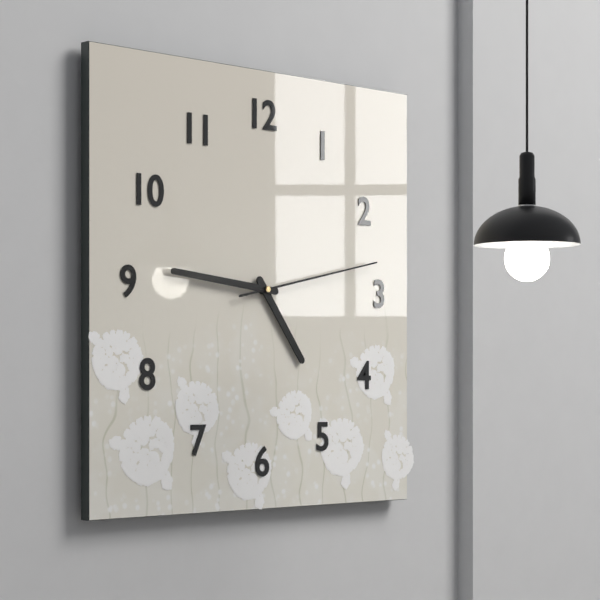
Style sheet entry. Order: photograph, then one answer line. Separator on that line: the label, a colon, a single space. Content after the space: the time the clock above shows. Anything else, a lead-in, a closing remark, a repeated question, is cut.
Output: 4:46:13
